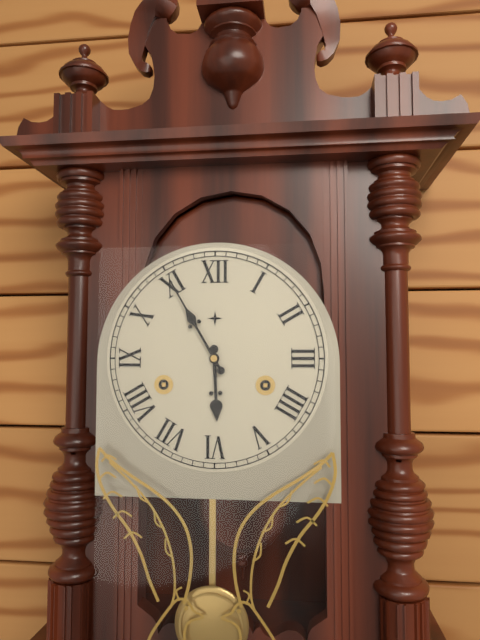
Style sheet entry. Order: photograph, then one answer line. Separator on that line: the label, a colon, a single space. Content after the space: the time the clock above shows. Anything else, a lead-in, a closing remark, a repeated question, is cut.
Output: 5:55
